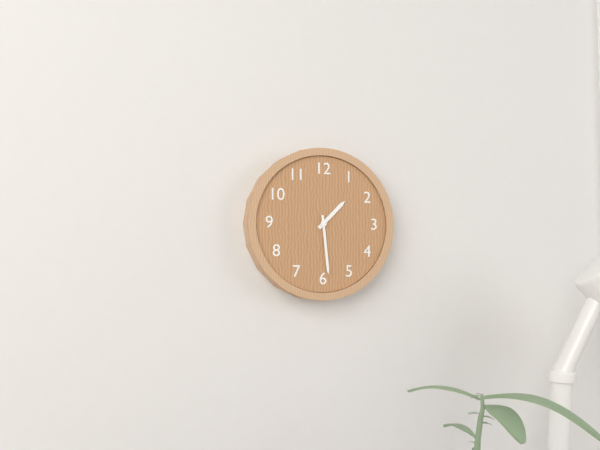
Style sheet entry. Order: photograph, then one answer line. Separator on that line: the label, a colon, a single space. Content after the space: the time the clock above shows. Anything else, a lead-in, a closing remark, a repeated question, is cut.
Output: 1:29
